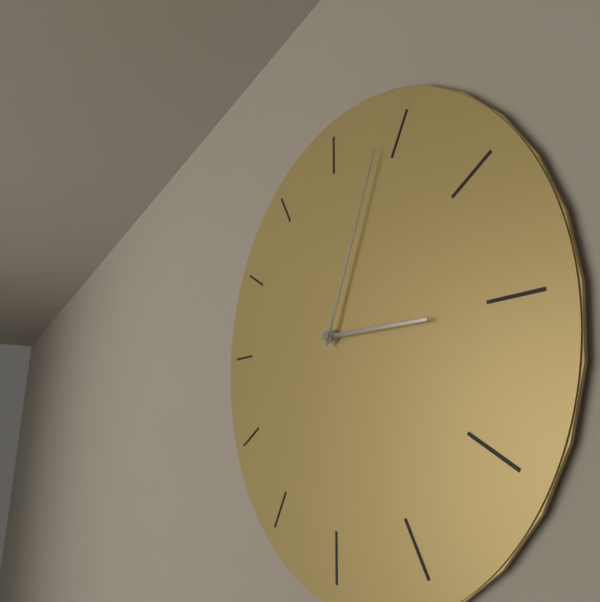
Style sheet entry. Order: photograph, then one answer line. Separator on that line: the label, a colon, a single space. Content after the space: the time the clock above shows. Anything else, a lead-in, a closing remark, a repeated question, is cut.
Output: 3:04
